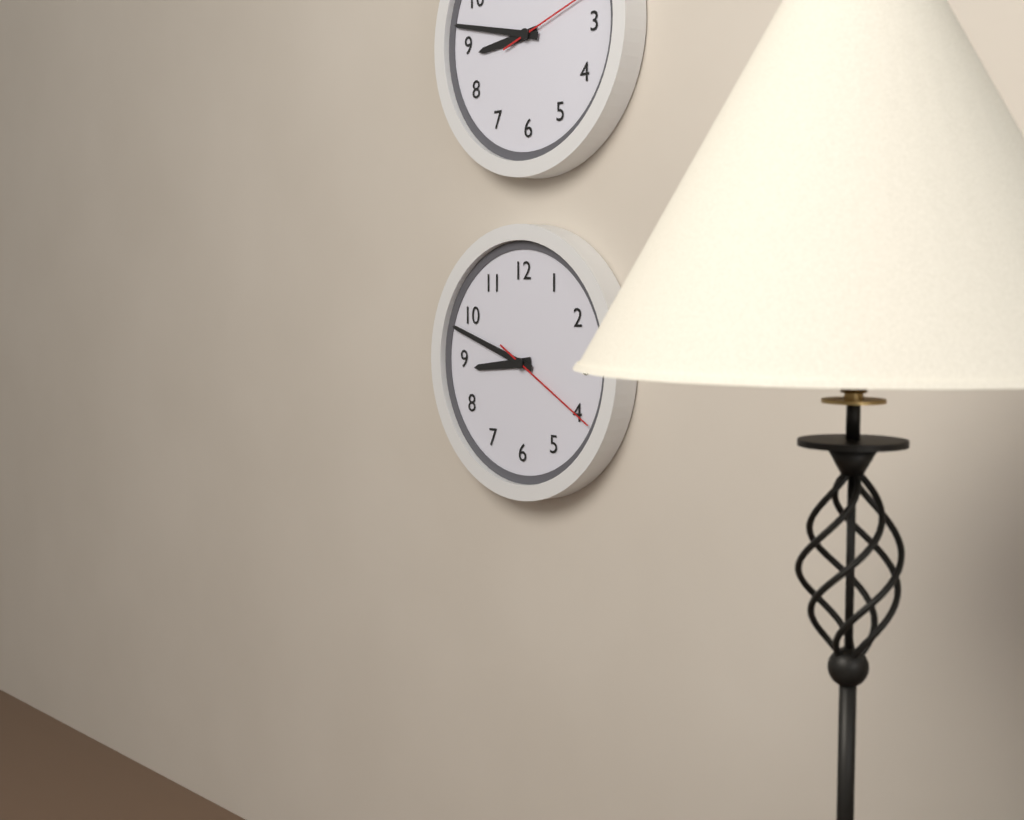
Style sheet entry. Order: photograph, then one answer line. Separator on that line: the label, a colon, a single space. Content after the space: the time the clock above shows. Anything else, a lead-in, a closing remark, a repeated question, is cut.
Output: 8:48:20
